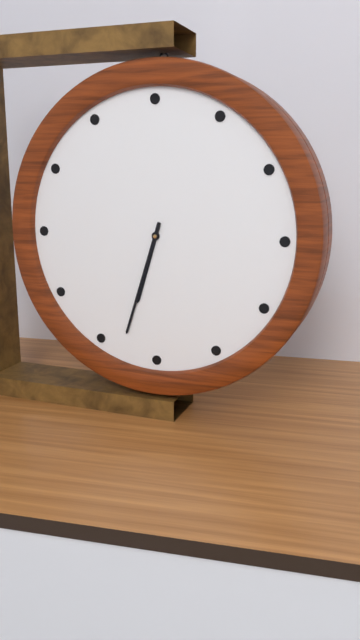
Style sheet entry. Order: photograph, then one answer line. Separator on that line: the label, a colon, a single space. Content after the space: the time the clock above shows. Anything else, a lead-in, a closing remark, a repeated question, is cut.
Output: 6:33
